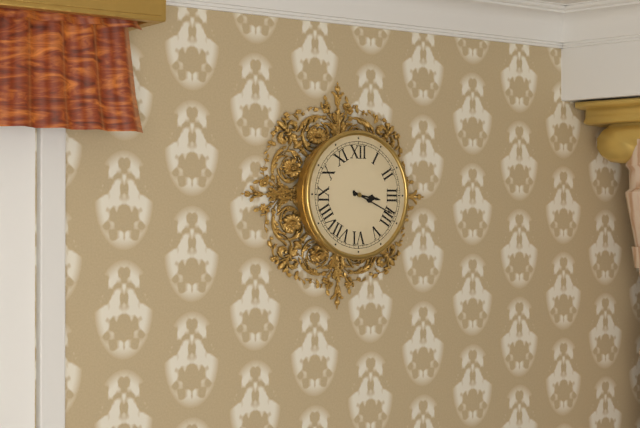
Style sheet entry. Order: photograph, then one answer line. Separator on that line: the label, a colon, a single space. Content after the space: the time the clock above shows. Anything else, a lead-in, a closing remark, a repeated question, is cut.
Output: 3:19
